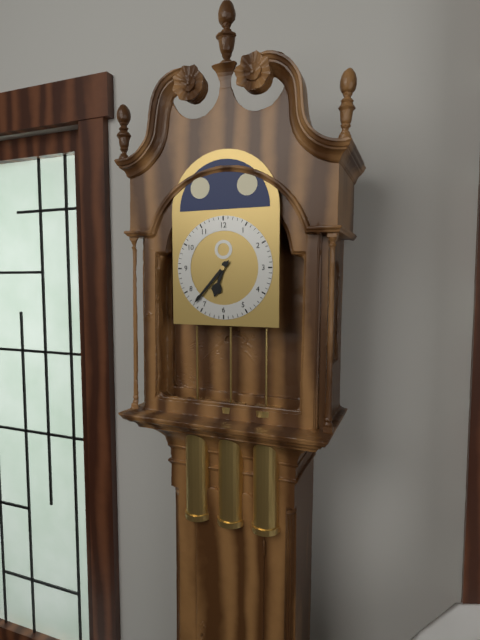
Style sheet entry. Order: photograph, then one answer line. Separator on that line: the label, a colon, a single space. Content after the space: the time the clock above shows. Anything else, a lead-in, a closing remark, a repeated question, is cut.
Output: 6:37
